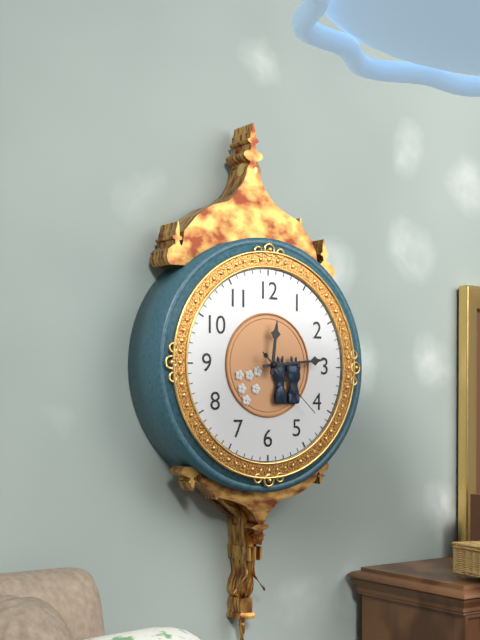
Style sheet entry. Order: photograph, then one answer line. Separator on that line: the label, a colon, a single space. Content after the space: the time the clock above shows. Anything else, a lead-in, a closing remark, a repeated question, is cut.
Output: 12:14:22
